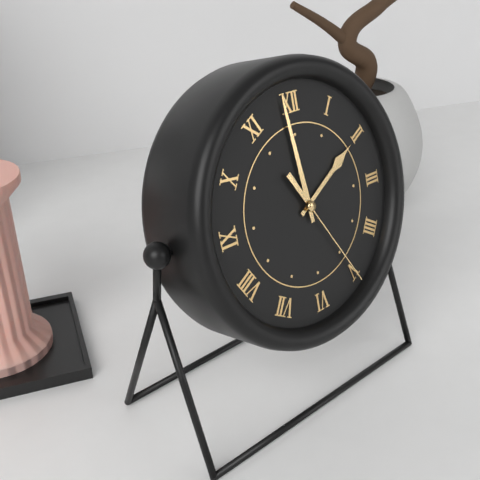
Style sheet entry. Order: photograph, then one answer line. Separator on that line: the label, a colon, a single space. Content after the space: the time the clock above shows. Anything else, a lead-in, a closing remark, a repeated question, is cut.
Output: 1:59:25
